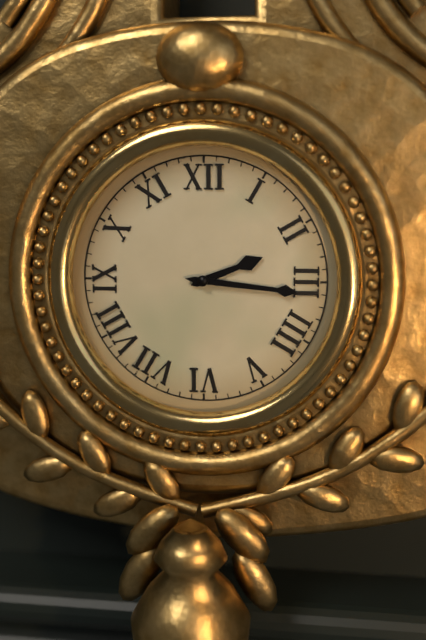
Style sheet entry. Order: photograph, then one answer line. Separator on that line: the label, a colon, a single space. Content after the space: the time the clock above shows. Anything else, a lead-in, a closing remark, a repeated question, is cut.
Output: 2:16
